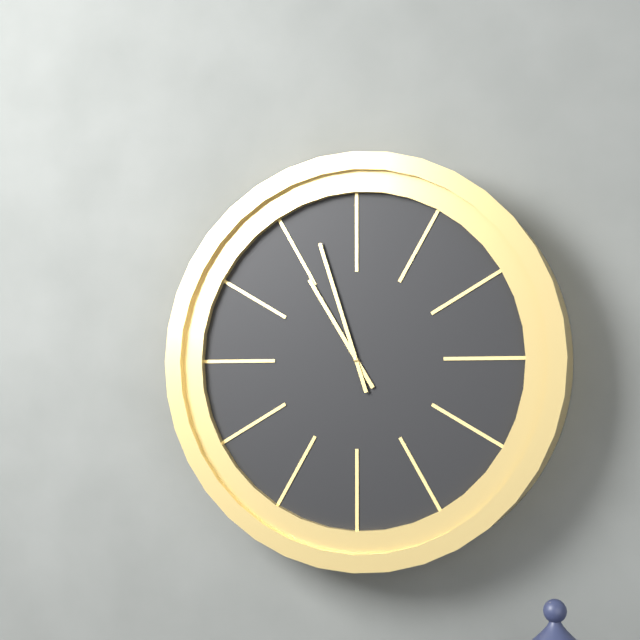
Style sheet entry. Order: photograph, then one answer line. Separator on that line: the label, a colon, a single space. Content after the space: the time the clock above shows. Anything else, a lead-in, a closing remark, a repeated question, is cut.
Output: 10:57
